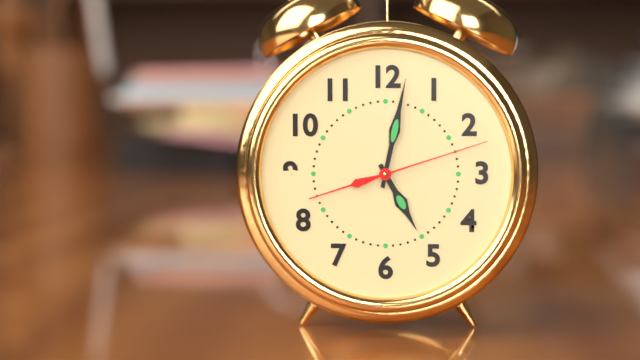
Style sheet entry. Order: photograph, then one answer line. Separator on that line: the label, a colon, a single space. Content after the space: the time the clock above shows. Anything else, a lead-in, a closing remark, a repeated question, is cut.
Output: 5:02:12
